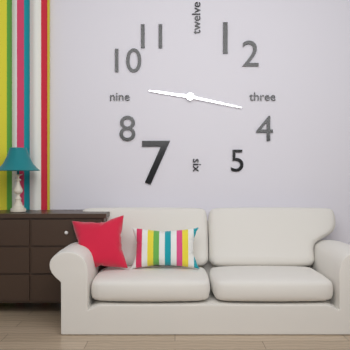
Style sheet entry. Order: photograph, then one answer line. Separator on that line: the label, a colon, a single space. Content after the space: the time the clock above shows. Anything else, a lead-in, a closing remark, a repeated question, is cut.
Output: 9:17
